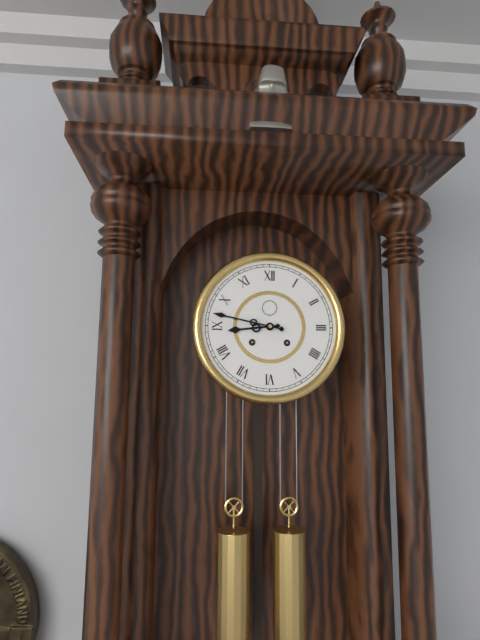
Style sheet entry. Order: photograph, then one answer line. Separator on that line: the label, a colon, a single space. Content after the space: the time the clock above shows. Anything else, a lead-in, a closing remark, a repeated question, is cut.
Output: 8:47
